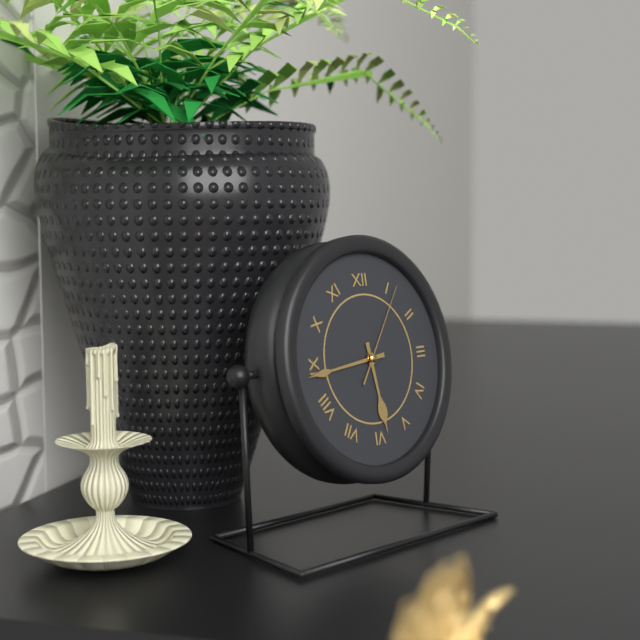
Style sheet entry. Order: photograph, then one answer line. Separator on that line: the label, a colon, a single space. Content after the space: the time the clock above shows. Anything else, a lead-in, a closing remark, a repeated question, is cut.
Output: 5:44:06
